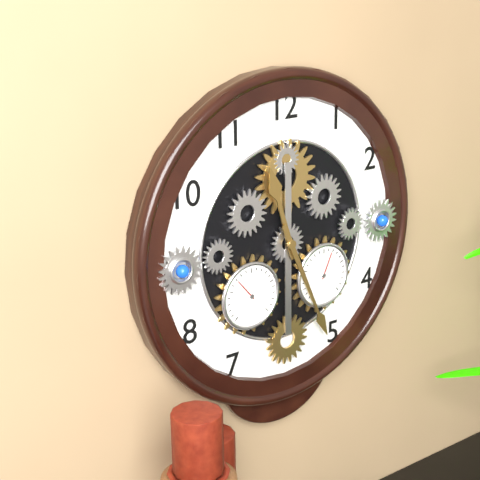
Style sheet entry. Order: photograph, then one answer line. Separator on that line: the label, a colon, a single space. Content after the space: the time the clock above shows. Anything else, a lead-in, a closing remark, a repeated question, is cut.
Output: 11:26
